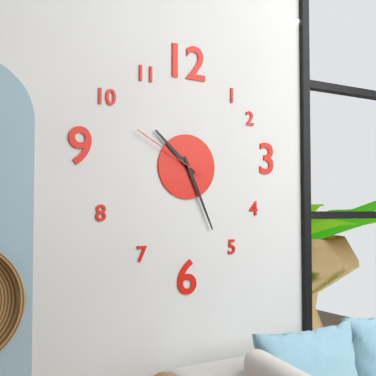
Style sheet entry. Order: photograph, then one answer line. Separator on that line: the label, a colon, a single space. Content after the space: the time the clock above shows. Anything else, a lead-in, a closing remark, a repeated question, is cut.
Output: 10:26:50
